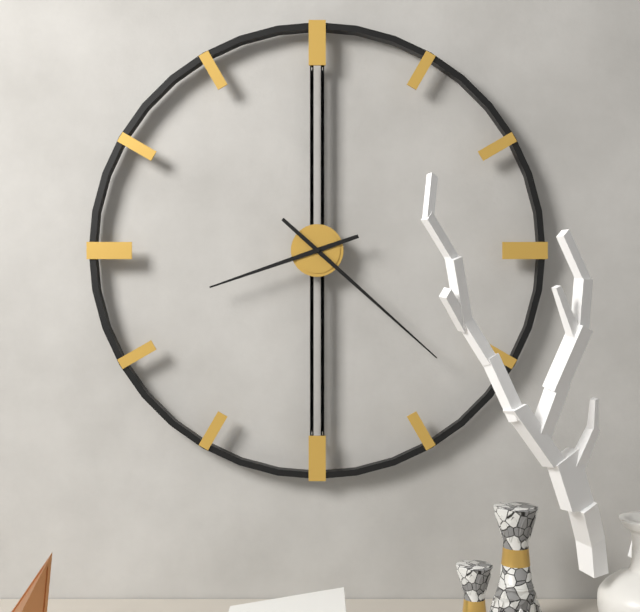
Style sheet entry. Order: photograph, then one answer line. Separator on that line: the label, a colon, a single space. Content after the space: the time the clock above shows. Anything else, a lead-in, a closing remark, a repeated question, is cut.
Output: 8:22
